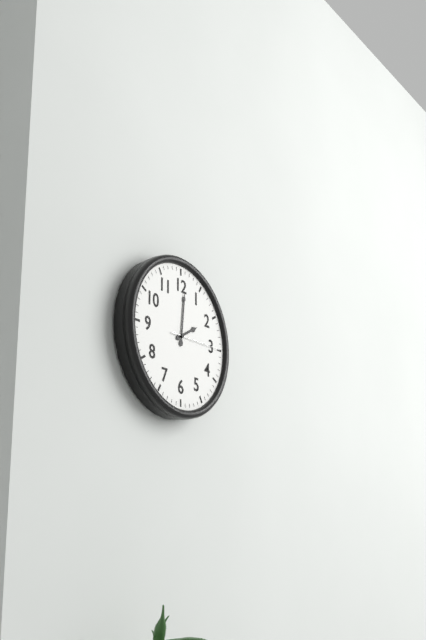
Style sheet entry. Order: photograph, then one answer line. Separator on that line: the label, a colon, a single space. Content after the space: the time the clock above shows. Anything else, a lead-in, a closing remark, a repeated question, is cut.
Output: 2:01
